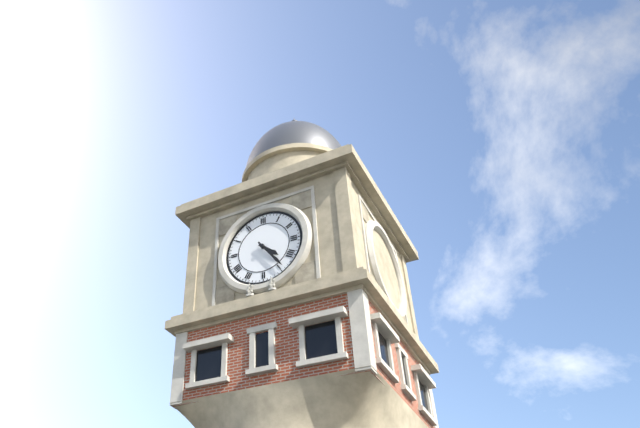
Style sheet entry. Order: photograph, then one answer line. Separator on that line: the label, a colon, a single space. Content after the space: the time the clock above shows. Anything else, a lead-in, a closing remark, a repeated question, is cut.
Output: 4:24
